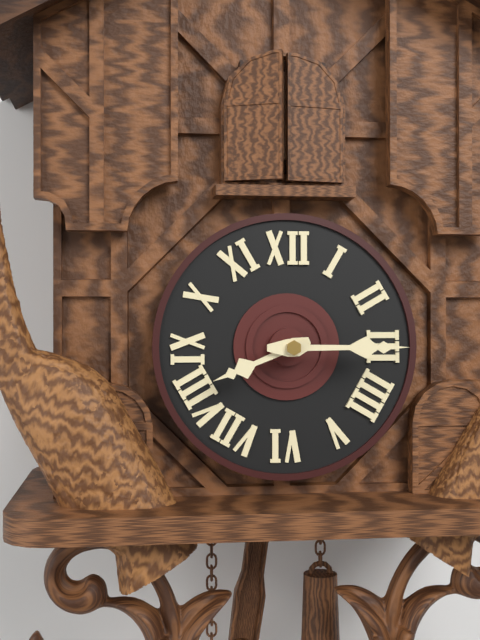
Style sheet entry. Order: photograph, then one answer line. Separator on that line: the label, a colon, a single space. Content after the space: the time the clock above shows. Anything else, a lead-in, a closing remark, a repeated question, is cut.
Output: 8:15
